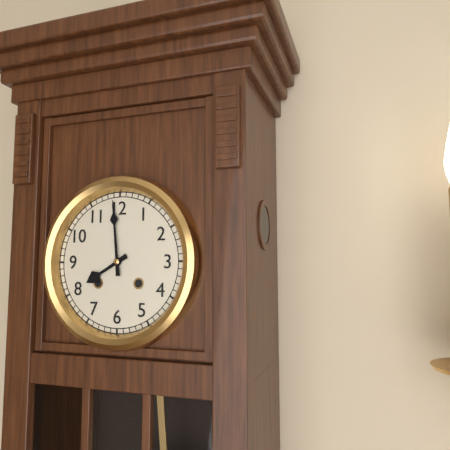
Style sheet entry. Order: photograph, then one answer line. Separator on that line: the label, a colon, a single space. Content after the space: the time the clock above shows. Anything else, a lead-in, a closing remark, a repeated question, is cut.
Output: 7:59
